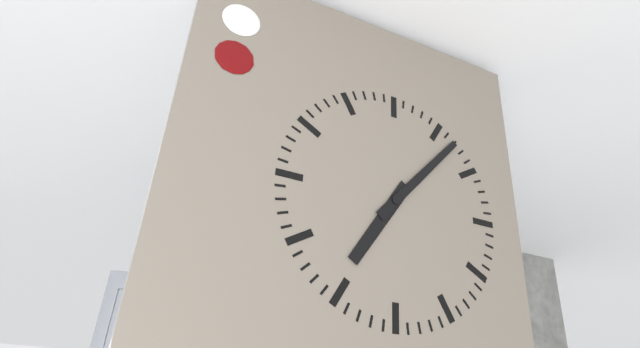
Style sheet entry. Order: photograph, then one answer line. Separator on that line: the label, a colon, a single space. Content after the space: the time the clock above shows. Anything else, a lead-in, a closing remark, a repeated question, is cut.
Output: 7:07
